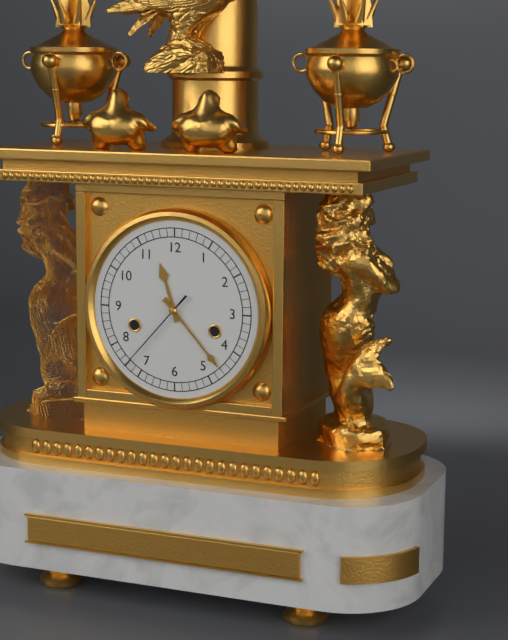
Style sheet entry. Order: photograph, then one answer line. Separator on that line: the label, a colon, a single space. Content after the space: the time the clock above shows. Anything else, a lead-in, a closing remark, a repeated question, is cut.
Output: 11:23:37
